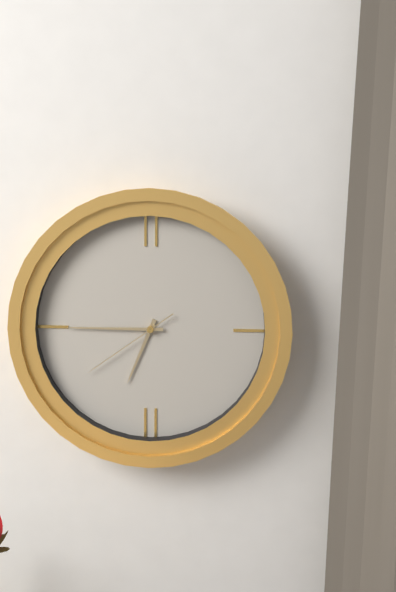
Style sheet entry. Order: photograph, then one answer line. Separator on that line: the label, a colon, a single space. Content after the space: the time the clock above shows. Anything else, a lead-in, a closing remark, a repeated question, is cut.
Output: 6:45:39
